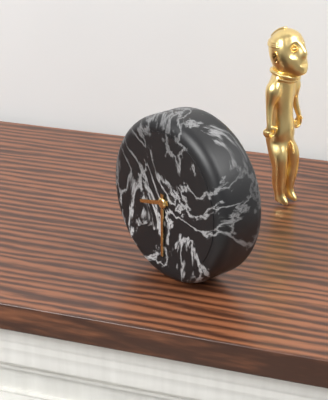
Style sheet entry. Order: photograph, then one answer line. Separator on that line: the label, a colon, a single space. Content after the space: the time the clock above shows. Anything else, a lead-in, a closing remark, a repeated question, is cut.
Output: 8:30
